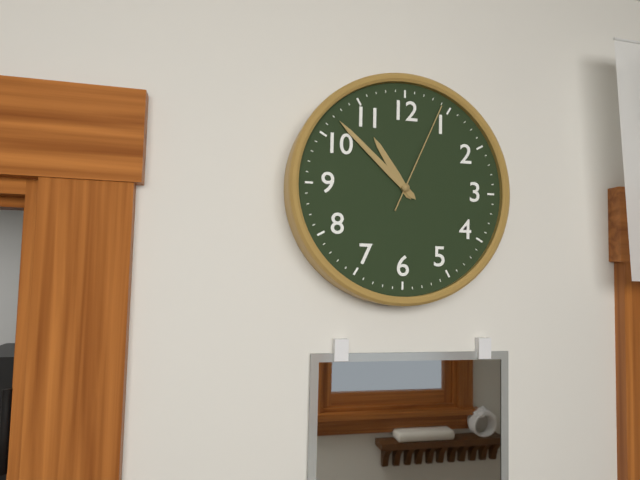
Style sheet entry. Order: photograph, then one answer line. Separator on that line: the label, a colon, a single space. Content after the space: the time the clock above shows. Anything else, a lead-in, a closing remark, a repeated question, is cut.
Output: 10:52:04
